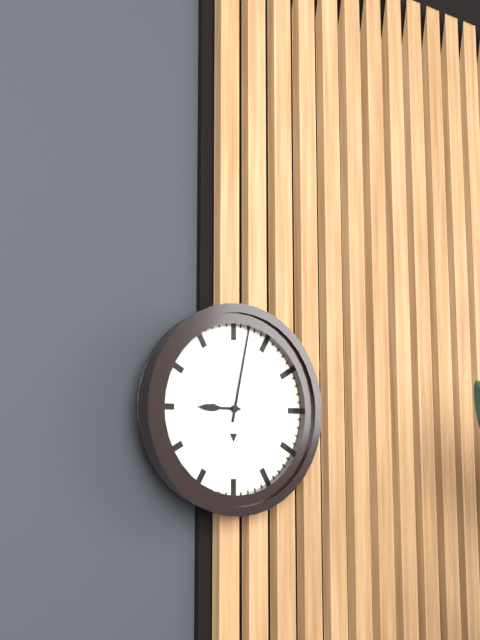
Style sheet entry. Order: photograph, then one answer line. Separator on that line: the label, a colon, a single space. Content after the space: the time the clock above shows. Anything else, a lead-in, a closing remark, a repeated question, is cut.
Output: 9:02
